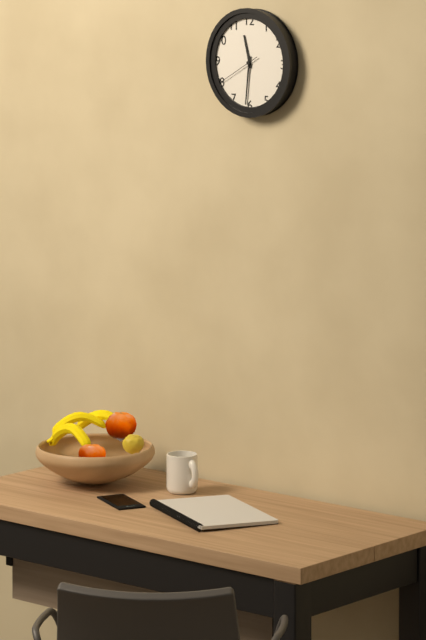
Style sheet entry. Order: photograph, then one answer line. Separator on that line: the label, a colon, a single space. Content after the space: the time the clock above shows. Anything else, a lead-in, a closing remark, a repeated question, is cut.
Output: 11:31
